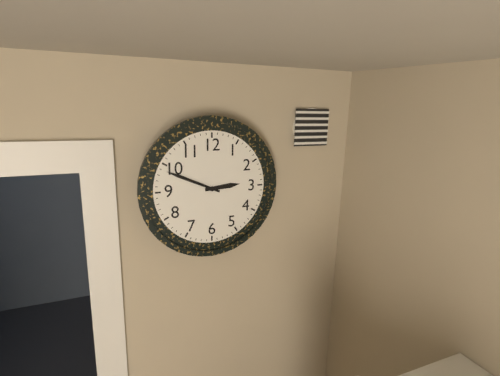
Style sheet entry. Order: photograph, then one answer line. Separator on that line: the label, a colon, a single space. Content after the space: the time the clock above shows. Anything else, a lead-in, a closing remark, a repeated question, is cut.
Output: 2:49
